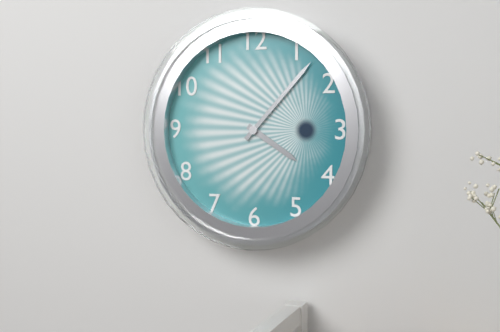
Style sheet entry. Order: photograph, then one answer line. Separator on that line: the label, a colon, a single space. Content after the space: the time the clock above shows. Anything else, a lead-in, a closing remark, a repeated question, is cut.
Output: 4:07
